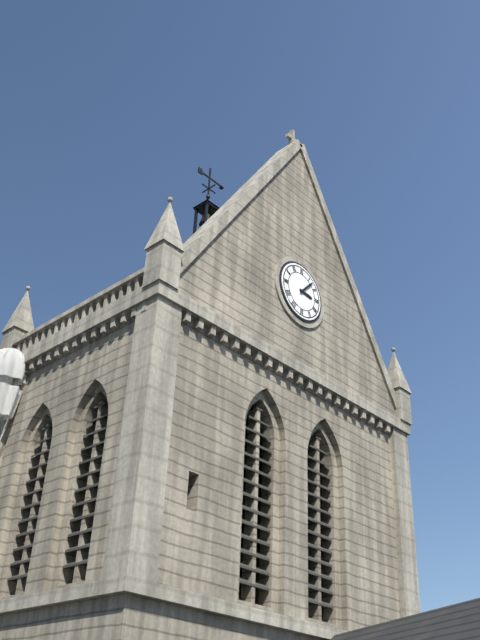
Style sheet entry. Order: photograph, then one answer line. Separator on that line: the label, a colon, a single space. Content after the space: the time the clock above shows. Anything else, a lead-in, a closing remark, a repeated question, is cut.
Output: 3:07
